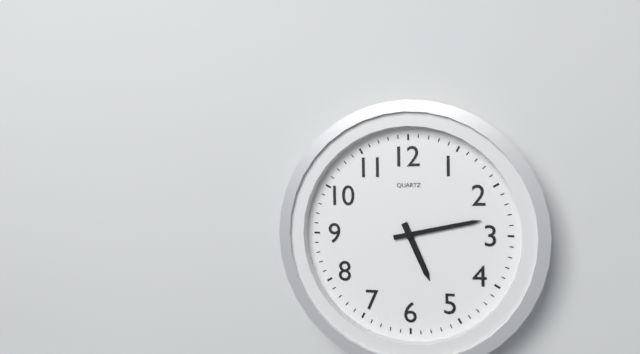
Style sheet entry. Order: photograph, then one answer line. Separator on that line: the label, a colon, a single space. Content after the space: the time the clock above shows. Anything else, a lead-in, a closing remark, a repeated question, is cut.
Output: 5:13
